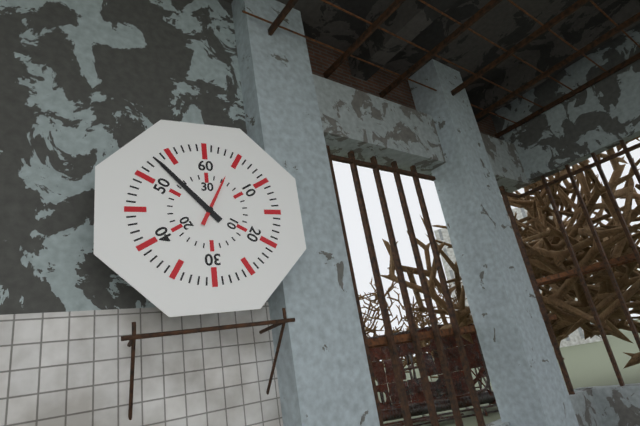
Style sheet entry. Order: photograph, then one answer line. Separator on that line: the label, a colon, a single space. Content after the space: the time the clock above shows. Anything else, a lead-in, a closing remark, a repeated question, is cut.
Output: 12:53
